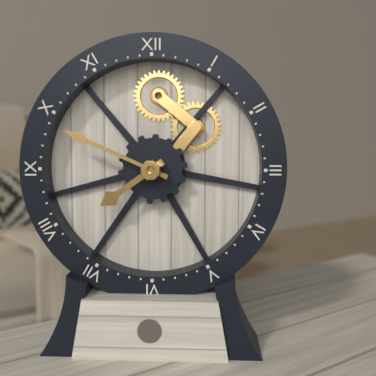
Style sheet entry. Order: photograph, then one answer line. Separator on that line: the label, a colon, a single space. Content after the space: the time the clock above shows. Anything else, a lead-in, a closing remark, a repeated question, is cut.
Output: 7:49
